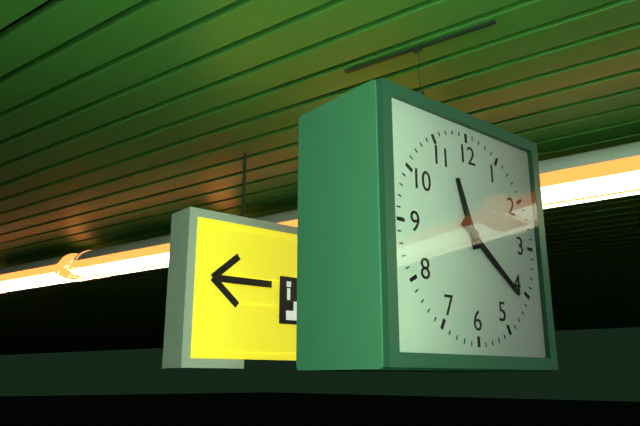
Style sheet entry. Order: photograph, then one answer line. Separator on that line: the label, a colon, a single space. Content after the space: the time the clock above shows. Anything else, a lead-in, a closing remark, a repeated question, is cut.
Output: 11:21
